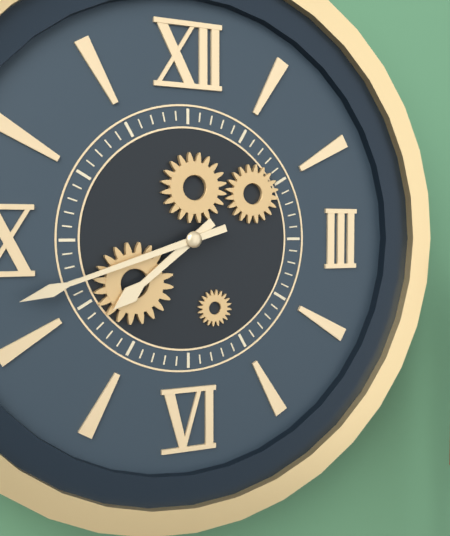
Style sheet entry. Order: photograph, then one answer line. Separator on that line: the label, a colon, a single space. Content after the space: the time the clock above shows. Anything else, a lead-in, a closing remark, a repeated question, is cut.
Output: 7:42
